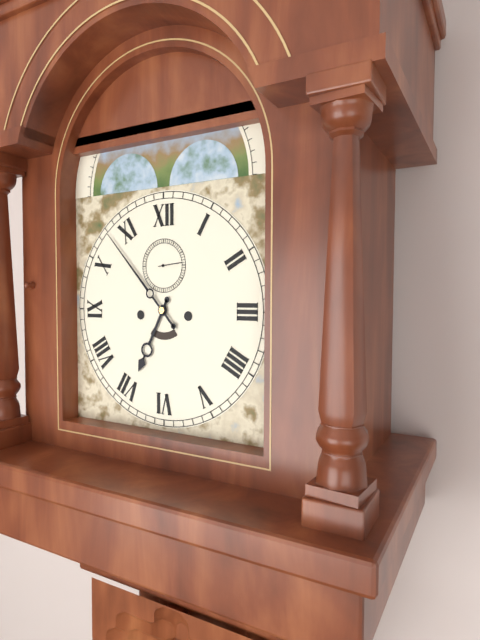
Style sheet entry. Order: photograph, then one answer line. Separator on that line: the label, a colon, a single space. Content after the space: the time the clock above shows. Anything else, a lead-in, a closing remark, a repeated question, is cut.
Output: 6:53
